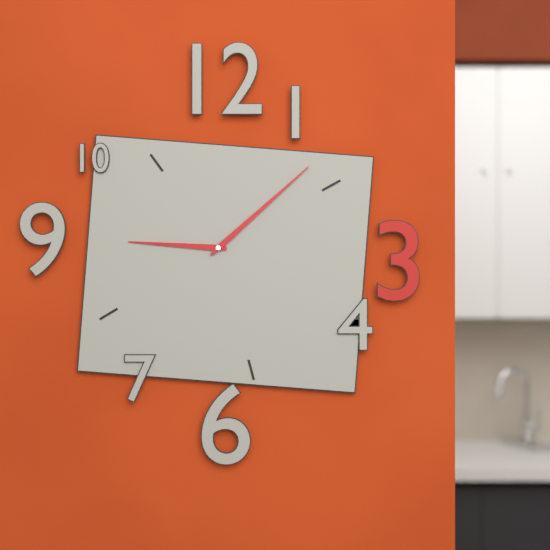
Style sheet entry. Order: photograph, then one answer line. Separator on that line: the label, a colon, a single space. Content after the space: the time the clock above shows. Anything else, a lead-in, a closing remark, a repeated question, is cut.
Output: 9:08
